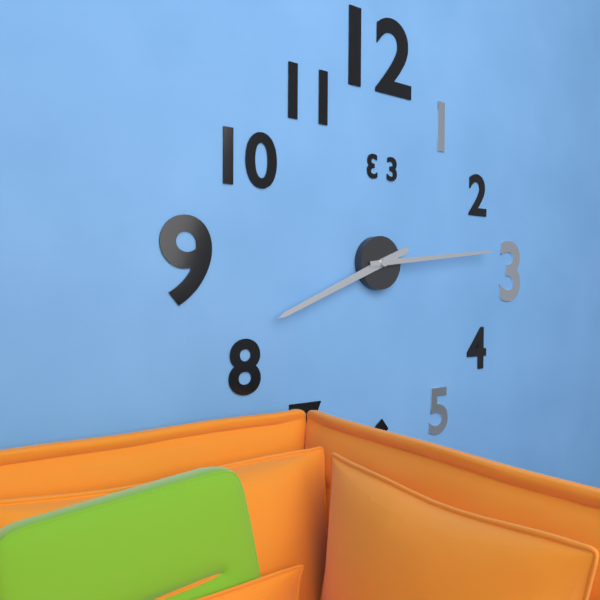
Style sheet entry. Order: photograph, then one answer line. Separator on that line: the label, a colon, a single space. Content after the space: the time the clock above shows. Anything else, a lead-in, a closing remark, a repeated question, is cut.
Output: 8:14
